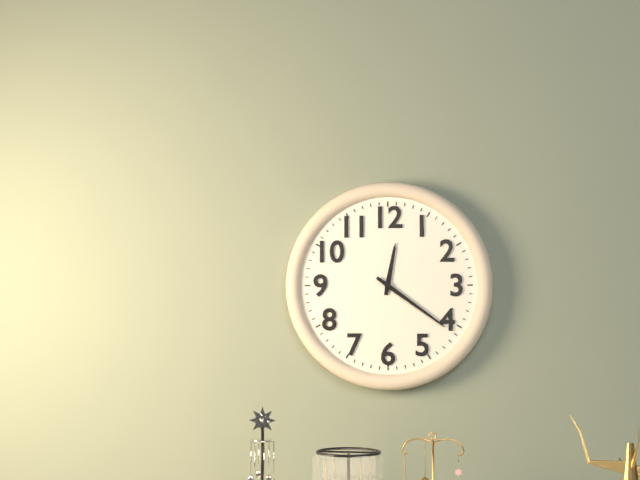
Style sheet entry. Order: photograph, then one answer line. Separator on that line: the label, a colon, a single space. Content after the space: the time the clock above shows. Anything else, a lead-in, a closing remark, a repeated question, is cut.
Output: 12:21
